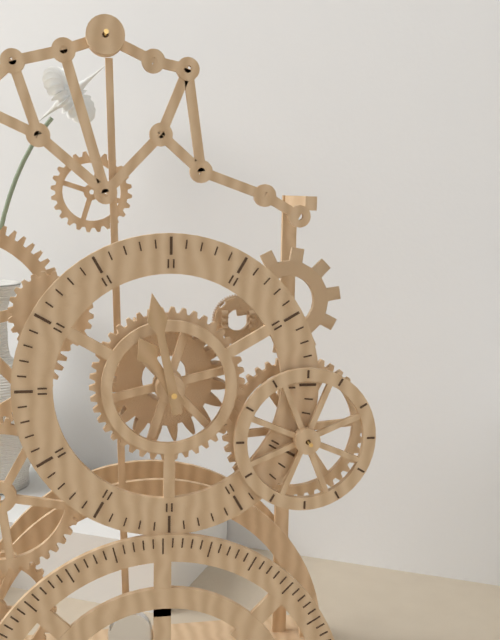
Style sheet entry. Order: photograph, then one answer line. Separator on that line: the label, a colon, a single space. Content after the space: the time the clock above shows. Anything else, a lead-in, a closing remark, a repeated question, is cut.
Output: 10:58
